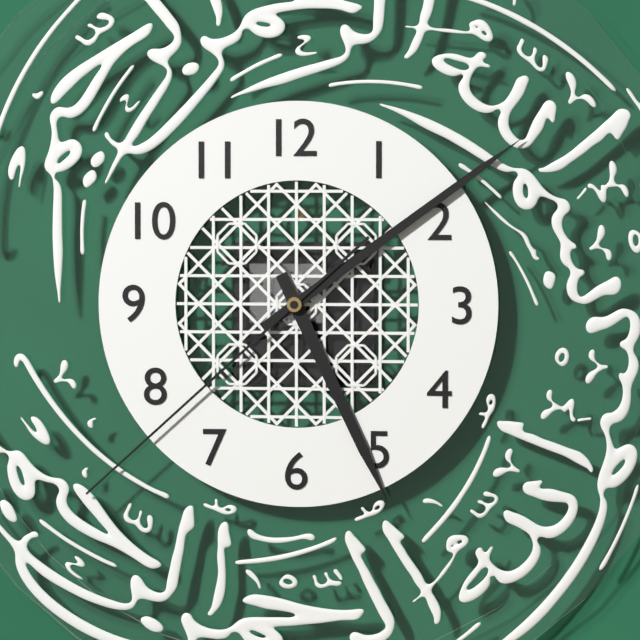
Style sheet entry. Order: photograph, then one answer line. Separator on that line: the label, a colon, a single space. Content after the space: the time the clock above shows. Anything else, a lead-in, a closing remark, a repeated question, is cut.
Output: 5:09:38
